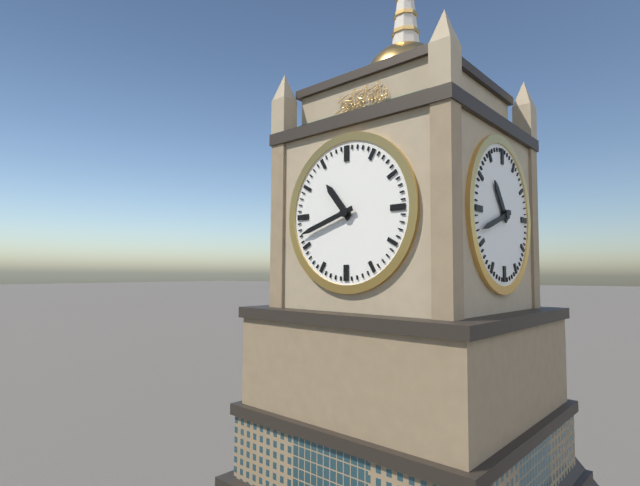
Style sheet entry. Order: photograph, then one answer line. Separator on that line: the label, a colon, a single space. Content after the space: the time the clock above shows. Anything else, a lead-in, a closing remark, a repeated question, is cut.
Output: 10:42
